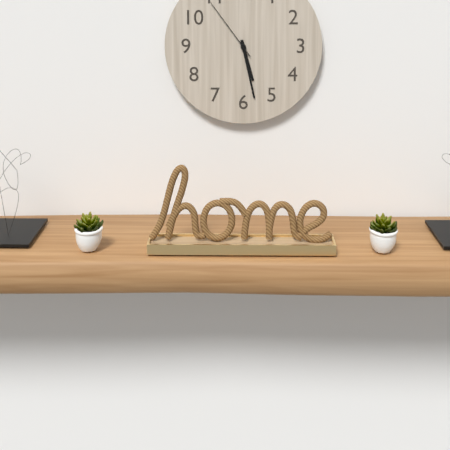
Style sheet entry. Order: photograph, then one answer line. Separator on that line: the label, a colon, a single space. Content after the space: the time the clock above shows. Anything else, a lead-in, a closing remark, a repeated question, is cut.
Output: 5:28:54
